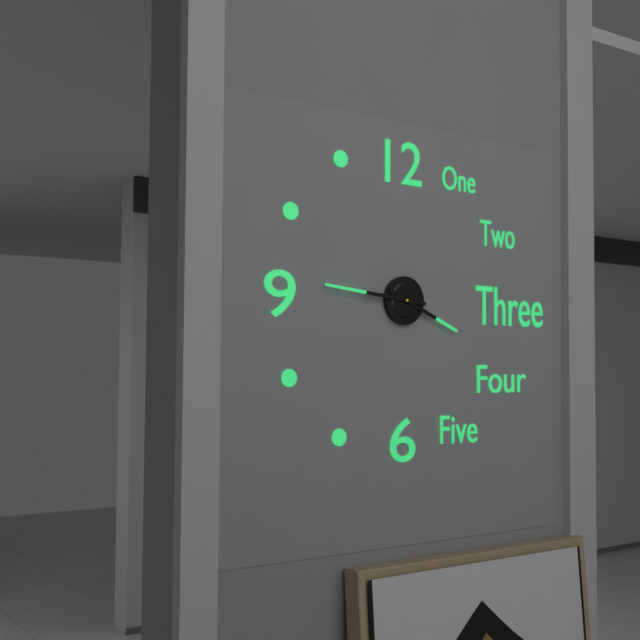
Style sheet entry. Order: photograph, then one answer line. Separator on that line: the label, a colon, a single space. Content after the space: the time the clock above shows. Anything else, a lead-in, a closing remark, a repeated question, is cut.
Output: 3:46
